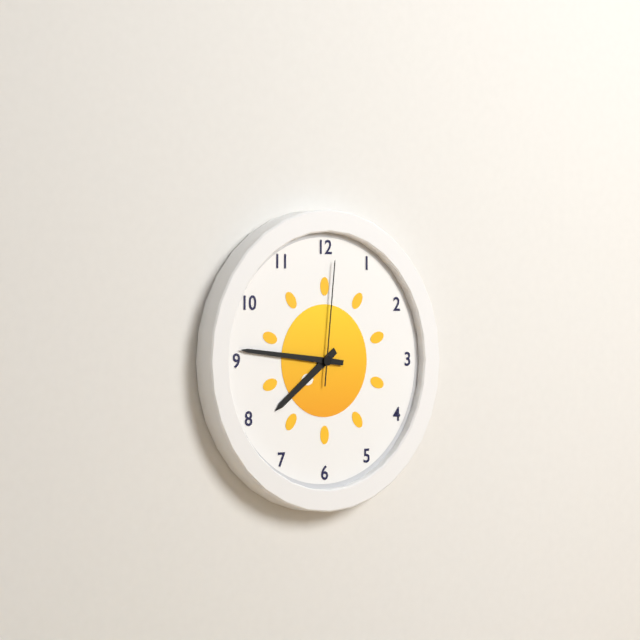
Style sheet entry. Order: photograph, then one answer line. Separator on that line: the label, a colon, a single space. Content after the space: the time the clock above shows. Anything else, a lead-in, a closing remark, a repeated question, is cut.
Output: 7:46:01
